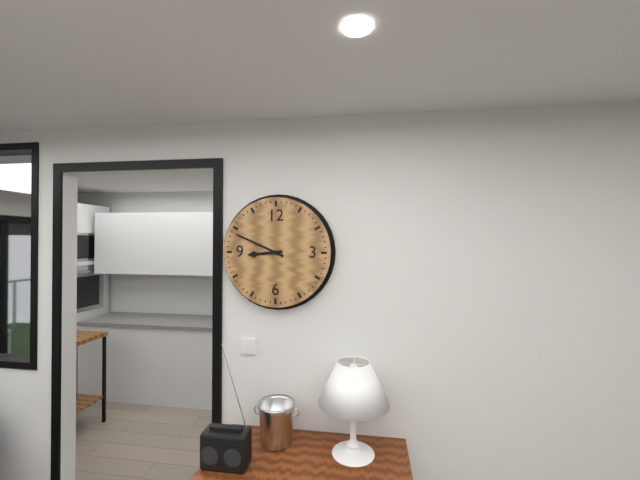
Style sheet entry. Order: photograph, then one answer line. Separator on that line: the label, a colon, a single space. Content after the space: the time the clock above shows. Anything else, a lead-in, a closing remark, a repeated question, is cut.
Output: 8:49
